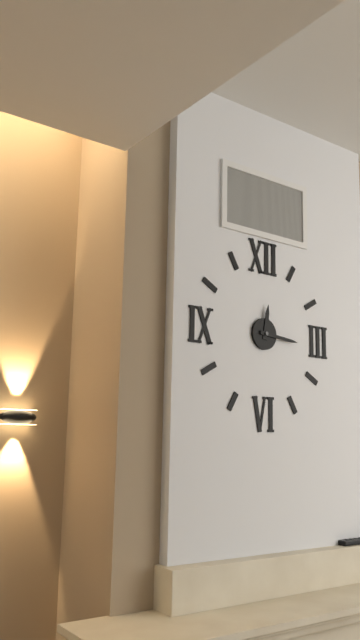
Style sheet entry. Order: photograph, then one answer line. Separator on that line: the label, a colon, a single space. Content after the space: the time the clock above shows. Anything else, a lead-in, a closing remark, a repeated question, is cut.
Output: 12:16
